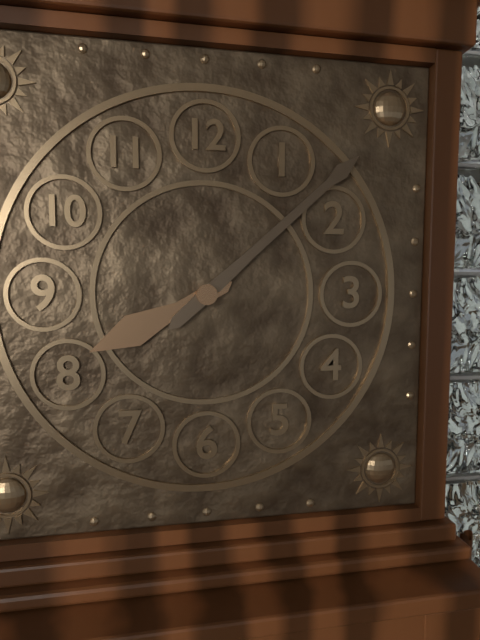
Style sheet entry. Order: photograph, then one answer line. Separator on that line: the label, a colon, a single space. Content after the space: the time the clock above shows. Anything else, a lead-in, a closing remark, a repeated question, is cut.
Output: 8:08
